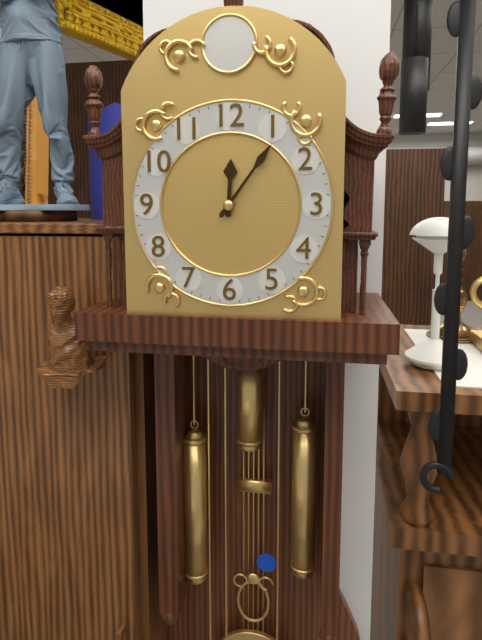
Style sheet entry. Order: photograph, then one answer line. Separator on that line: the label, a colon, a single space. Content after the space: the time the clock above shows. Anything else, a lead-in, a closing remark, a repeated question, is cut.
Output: 12:06
